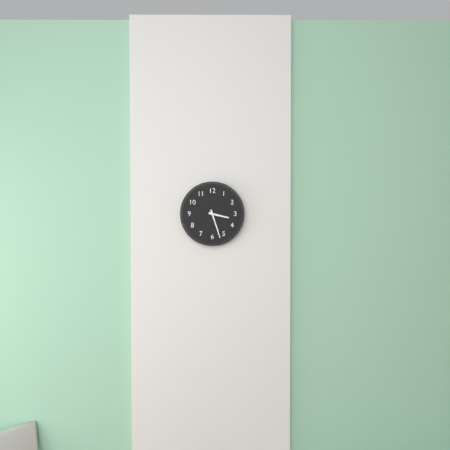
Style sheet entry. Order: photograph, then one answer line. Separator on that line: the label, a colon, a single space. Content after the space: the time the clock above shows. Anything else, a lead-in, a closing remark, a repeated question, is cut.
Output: 3:27
